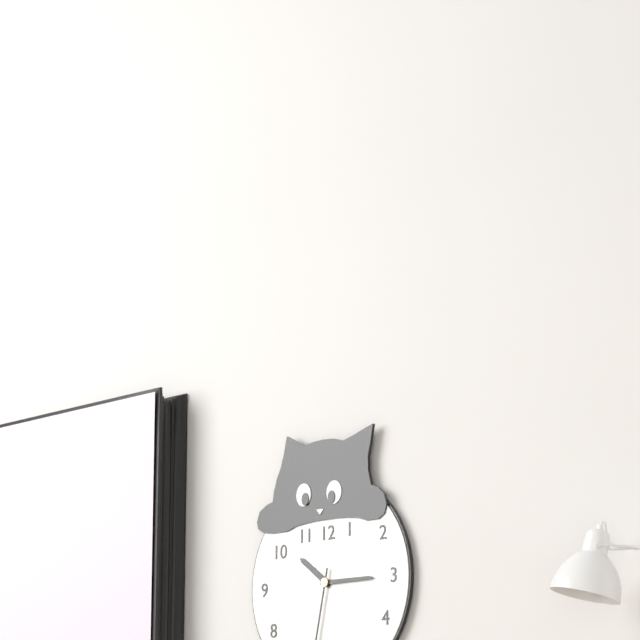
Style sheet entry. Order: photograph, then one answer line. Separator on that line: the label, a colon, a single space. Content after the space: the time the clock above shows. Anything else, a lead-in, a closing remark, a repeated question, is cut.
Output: 10:15
